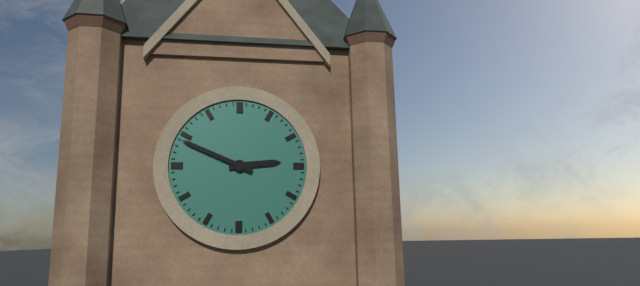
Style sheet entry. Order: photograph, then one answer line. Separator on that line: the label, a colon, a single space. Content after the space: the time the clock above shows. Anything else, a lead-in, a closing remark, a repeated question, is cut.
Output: 2:49
